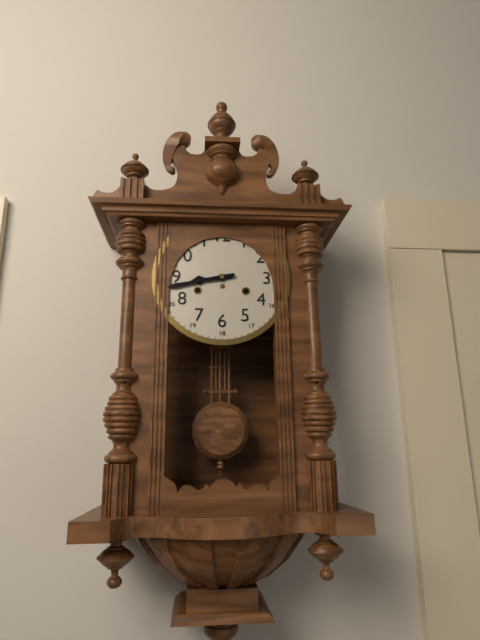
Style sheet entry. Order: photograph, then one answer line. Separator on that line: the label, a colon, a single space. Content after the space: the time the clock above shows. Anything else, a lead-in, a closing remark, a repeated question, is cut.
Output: 8:43
